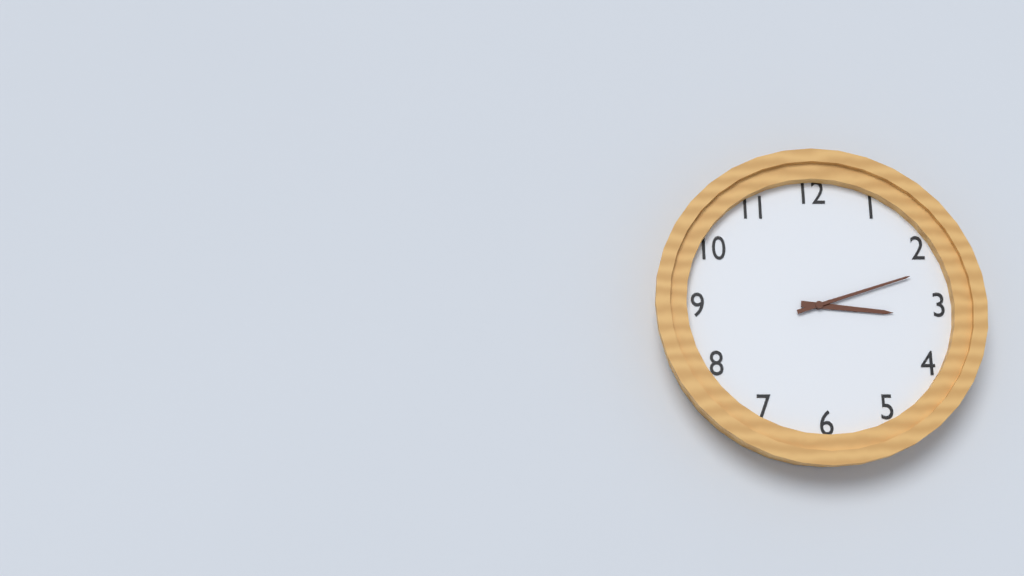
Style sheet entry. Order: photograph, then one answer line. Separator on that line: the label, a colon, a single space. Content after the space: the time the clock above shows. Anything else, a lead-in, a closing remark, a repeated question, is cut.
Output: 3:12
